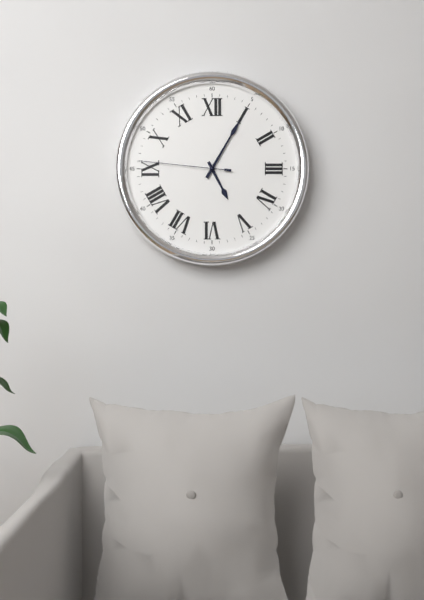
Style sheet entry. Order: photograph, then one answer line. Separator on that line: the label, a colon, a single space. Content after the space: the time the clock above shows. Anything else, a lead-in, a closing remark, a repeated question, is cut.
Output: 5:05:46
